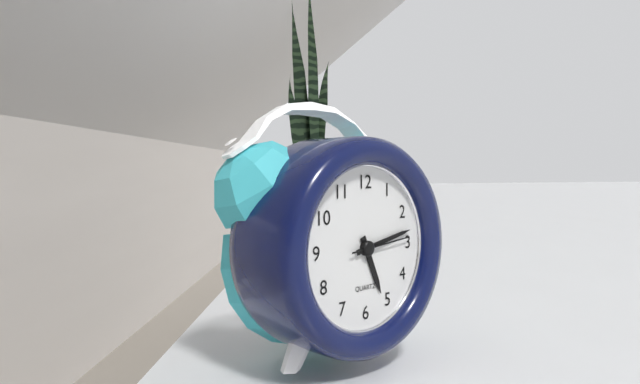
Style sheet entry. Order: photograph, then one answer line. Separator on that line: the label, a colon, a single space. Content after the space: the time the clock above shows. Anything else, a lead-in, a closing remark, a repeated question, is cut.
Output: 5:13:14
